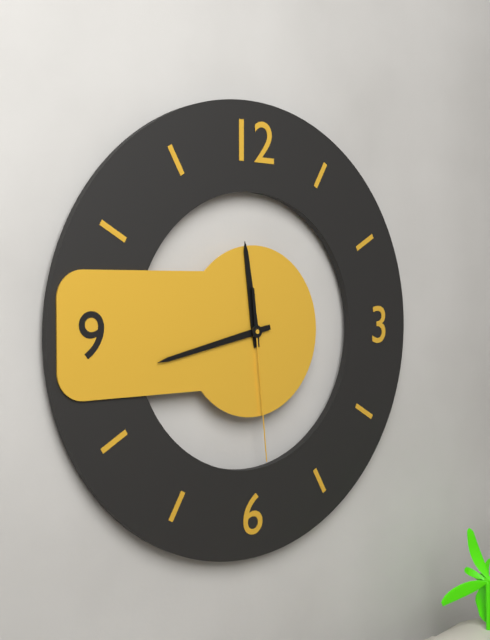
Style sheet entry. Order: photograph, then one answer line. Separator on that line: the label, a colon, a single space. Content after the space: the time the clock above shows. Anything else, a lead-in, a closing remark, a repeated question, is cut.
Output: 11:43:29
